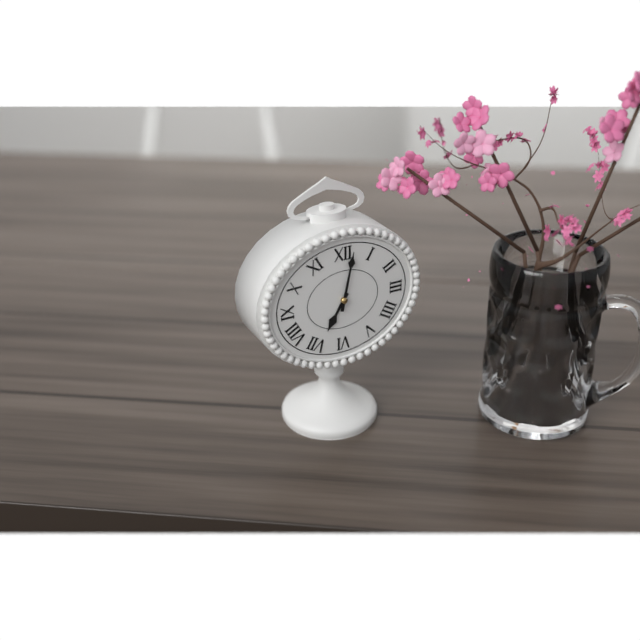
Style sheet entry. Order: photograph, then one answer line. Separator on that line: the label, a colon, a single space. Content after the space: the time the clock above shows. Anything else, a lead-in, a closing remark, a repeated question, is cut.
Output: 7:02
